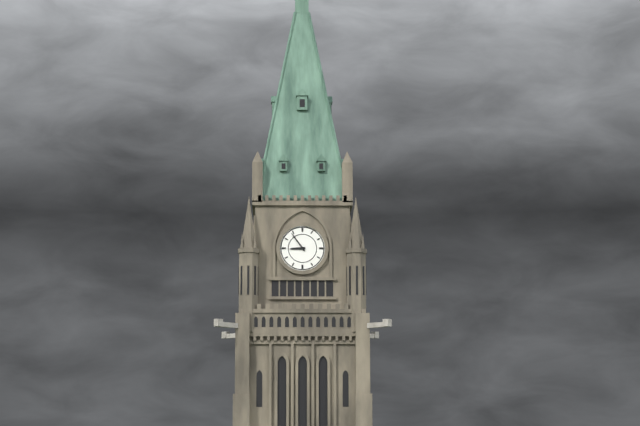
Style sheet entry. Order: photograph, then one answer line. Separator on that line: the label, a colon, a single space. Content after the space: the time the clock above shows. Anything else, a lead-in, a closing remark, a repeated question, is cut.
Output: 8:54
